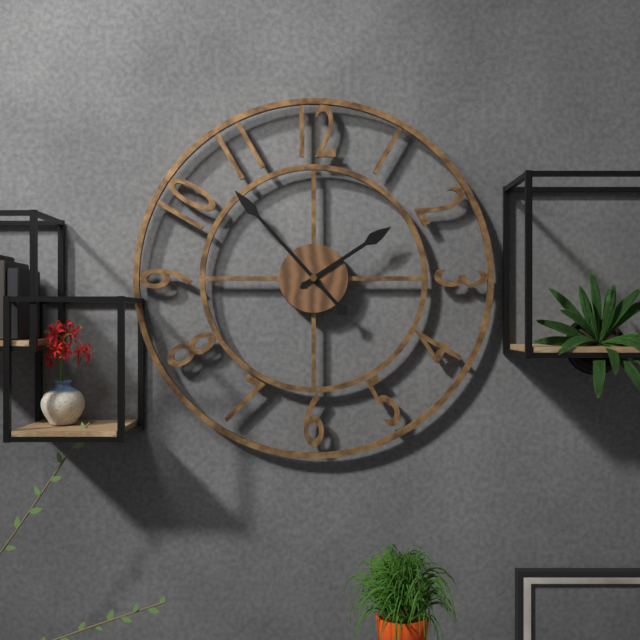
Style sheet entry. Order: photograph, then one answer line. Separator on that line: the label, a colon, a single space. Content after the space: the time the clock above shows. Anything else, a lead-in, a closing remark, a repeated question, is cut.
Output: 1:53
